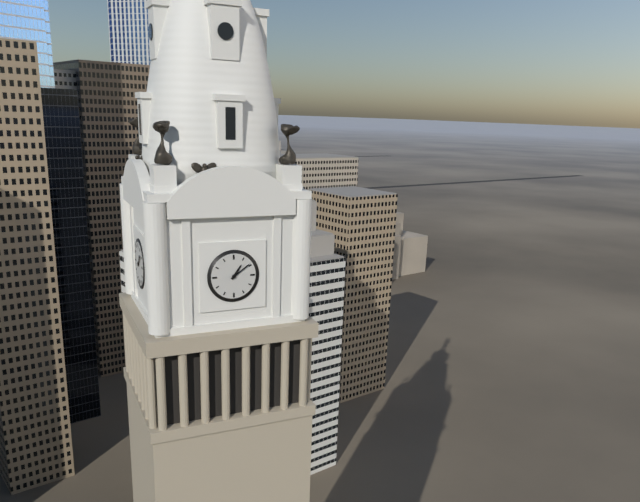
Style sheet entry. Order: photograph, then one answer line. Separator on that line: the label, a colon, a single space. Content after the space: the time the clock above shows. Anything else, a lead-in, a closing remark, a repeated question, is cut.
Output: 1:09
